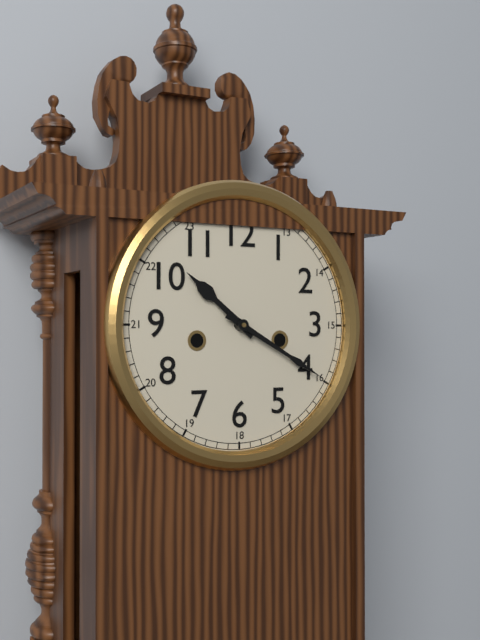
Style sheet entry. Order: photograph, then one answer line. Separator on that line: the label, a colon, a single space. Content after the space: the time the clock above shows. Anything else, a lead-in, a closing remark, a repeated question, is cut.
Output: 10:20
